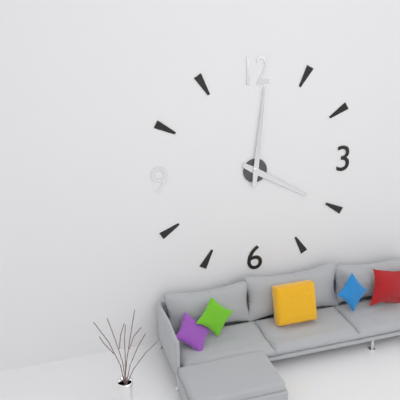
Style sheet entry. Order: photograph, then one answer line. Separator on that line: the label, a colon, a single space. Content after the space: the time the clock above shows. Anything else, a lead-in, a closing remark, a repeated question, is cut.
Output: 4:01
